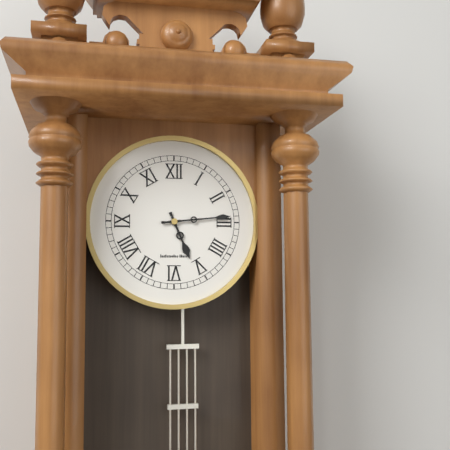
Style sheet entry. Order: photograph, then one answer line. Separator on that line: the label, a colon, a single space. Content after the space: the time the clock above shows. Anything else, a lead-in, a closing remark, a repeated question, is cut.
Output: 5:14
